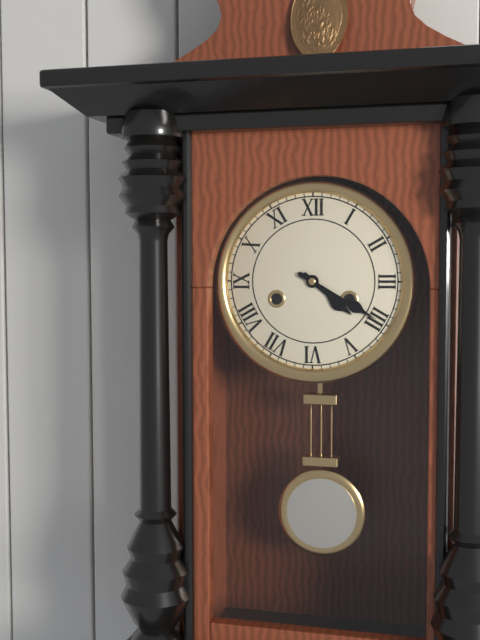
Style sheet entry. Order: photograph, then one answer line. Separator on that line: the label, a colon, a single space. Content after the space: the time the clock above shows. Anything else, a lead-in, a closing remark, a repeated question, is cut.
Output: 4:20
